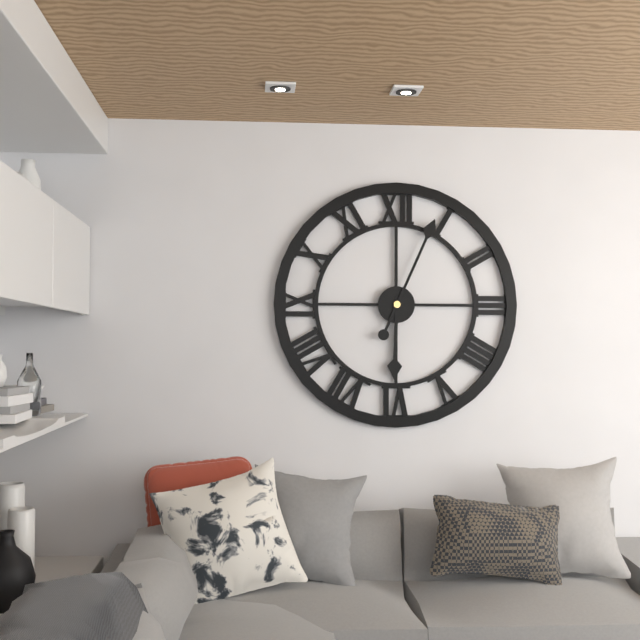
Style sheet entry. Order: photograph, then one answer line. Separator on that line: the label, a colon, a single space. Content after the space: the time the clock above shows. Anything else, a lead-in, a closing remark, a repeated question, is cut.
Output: 6:04
